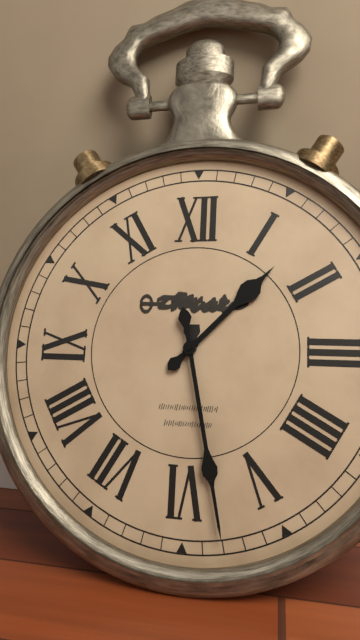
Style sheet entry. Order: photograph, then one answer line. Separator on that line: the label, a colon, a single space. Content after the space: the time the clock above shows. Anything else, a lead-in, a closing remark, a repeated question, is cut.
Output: 1:28
